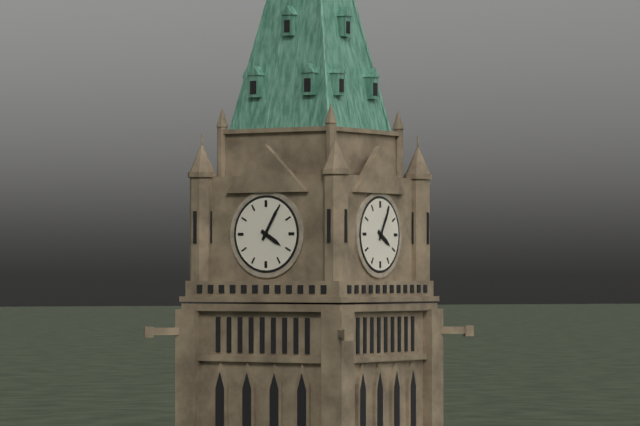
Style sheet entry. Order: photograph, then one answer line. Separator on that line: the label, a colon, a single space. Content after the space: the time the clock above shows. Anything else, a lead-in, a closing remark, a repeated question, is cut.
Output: 4:05
